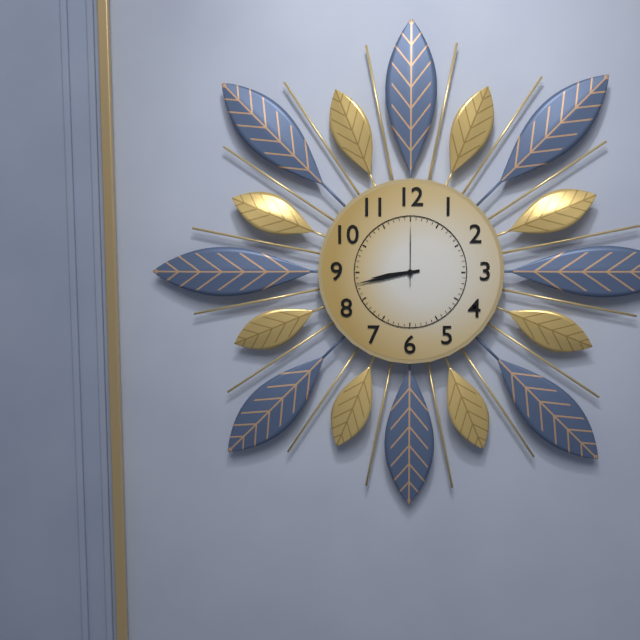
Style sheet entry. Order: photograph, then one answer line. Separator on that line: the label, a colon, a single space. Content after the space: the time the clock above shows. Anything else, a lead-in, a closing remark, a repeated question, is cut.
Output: 8:43:00
